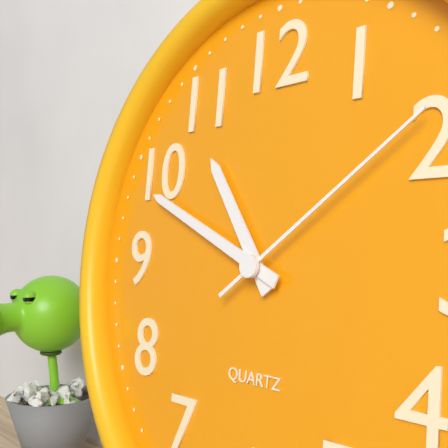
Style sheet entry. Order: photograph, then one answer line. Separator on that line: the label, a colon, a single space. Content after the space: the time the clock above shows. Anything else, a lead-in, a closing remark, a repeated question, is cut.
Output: 10:49:09
